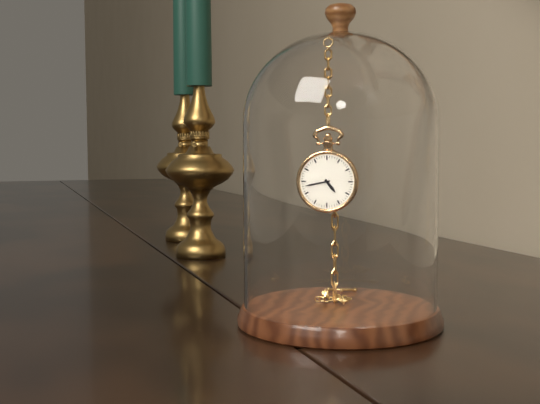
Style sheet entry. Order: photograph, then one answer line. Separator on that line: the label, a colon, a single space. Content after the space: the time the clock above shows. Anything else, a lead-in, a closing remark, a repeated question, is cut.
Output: 4:43
